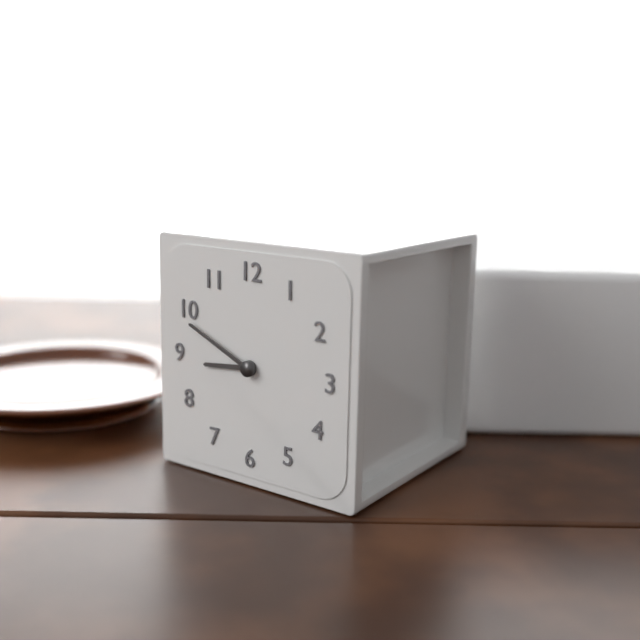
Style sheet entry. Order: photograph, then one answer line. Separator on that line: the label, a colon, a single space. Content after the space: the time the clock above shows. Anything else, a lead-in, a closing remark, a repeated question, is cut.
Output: 8:49
